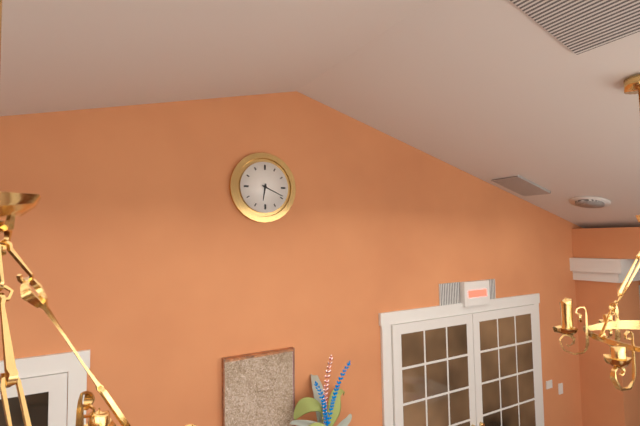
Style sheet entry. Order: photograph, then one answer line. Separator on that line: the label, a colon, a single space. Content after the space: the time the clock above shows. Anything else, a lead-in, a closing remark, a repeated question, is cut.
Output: 6:19
